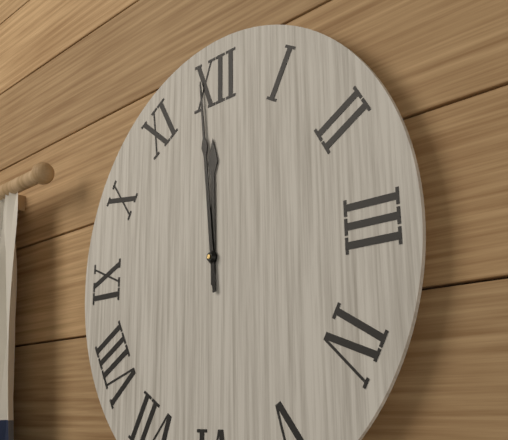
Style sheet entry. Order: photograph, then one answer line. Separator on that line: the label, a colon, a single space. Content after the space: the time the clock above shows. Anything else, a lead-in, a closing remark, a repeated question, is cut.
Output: 11:59
